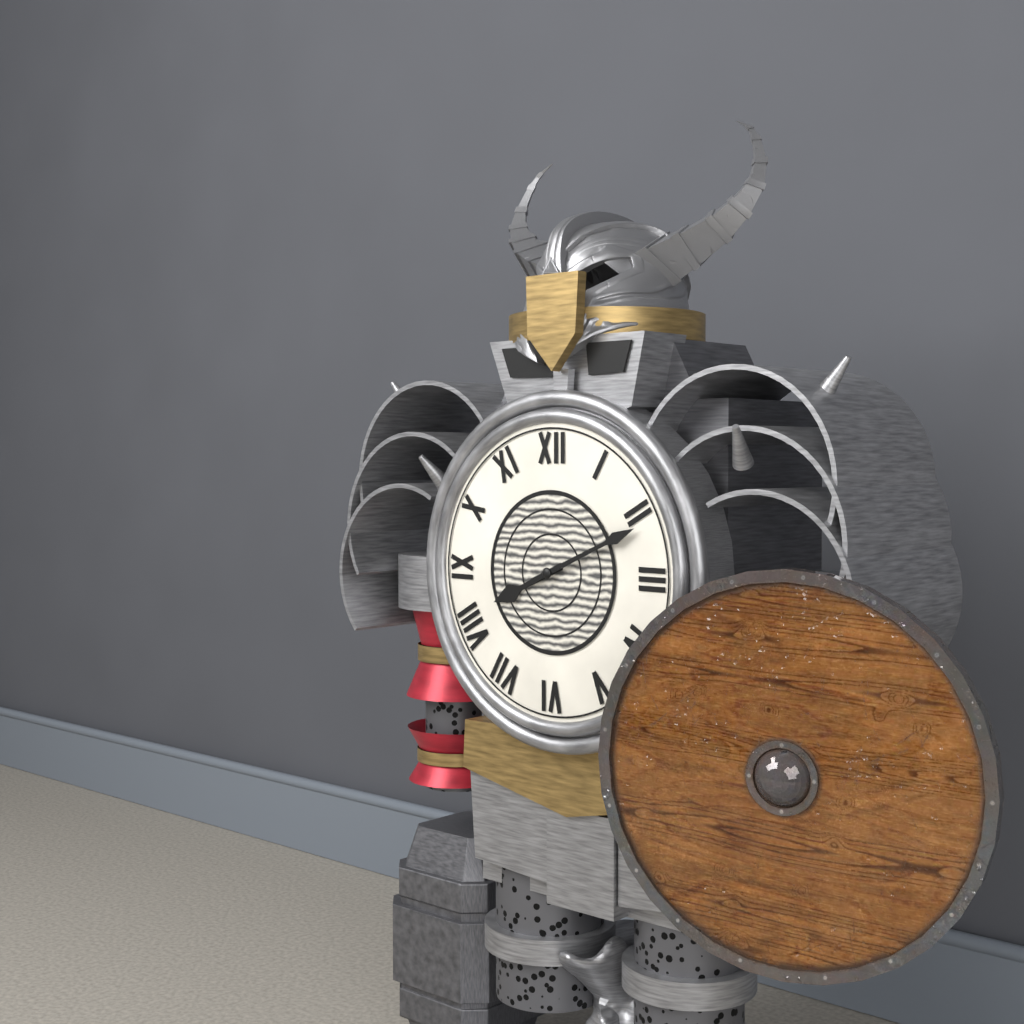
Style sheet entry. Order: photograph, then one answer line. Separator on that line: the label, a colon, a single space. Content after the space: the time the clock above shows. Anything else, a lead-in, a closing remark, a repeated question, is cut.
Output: 8:11
